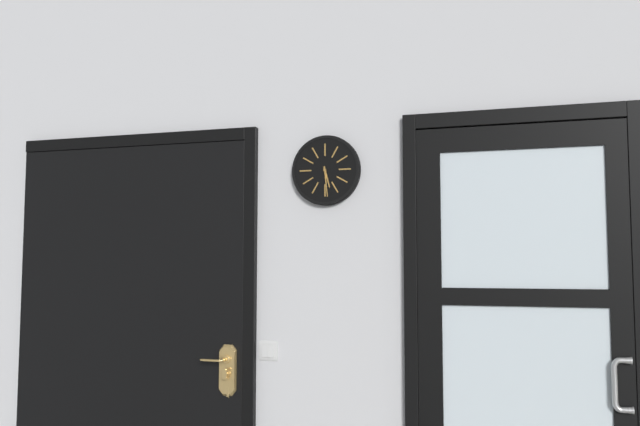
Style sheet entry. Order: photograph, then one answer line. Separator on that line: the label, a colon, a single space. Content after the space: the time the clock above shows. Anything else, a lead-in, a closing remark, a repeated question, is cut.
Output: 5:29
